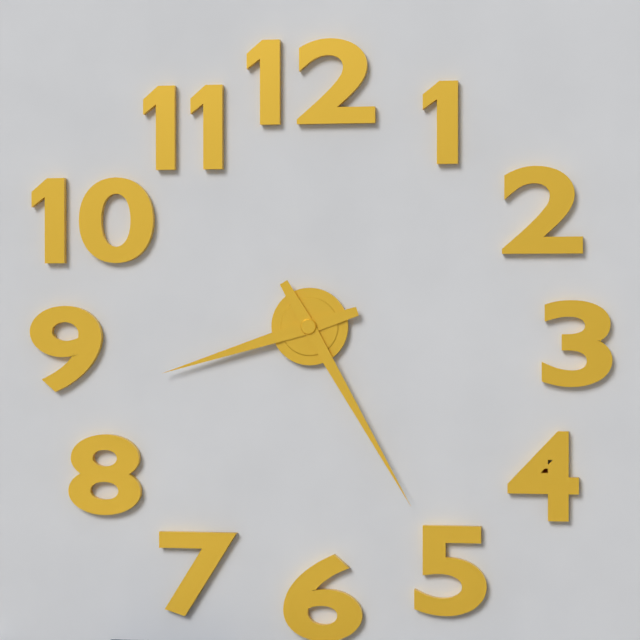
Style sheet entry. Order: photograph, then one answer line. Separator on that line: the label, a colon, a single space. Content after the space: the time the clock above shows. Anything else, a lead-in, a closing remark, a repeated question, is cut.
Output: 8:25
